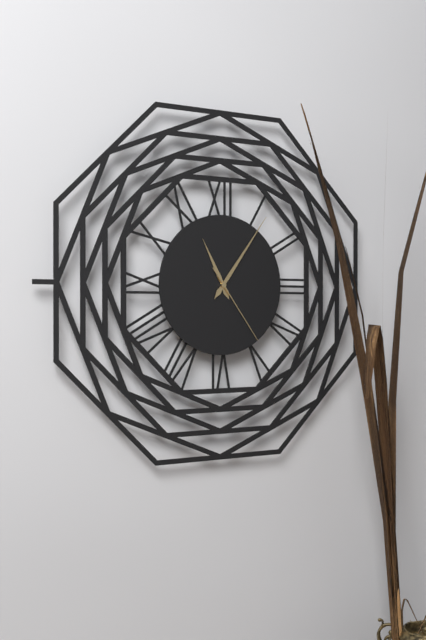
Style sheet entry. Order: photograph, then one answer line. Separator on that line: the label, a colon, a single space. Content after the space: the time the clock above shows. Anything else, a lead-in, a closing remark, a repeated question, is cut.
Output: 11:06:24
